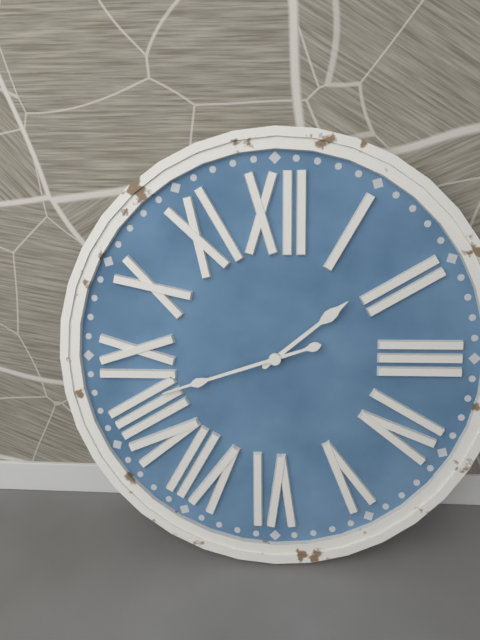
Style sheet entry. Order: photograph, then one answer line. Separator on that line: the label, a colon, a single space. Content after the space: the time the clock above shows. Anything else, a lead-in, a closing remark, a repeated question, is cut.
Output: 1:42
